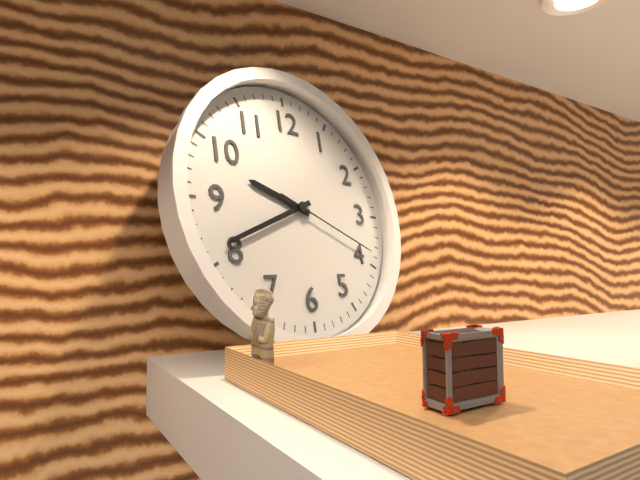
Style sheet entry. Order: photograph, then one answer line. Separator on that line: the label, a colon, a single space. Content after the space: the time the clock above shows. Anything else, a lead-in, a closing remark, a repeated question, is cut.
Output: 9:41:19
